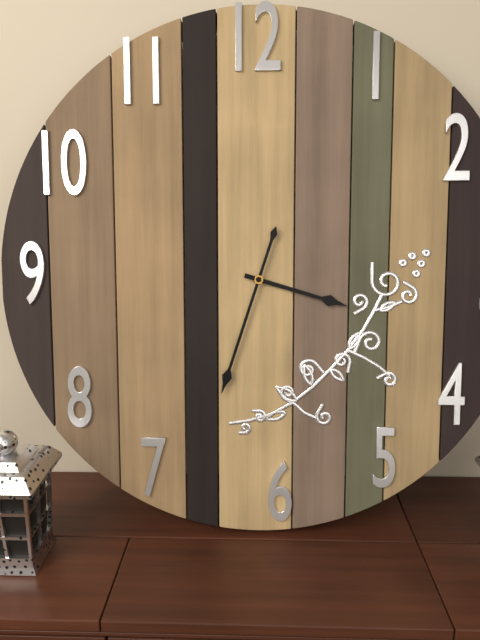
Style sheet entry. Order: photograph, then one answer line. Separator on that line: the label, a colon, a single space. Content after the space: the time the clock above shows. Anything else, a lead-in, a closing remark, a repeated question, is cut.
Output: 3:33
